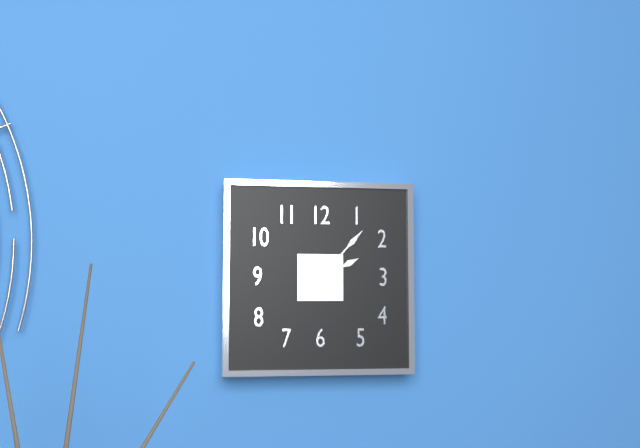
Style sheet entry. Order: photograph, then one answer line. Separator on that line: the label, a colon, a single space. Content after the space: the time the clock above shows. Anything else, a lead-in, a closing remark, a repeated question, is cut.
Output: 2:07
